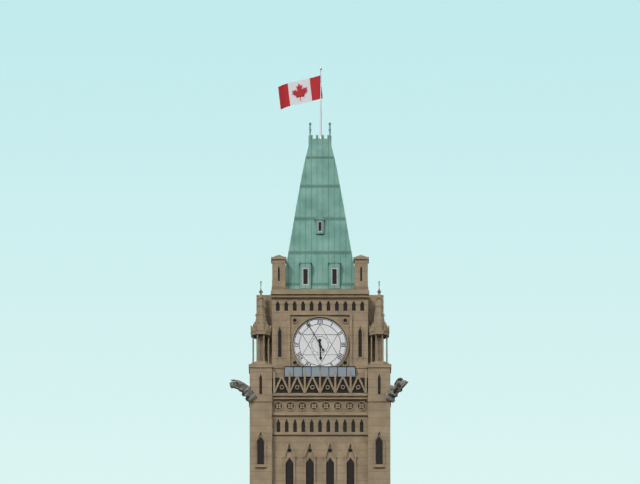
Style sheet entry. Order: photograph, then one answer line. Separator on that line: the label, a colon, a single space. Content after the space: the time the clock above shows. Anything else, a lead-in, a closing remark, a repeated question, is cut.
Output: 5:55
